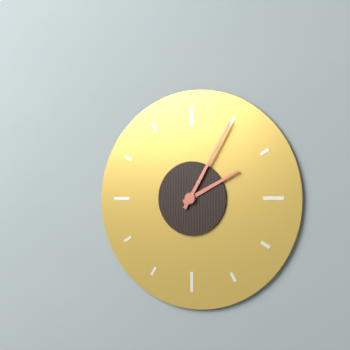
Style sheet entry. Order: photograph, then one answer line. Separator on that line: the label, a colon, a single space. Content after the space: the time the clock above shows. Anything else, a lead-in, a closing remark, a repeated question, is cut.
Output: 2:05
